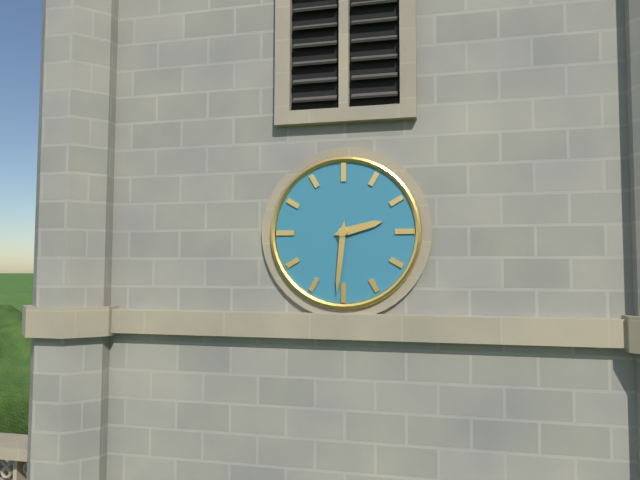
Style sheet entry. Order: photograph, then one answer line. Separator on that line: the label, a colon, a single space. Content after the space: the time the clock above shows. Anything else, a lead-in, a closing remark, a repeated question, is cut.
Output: 2:31
